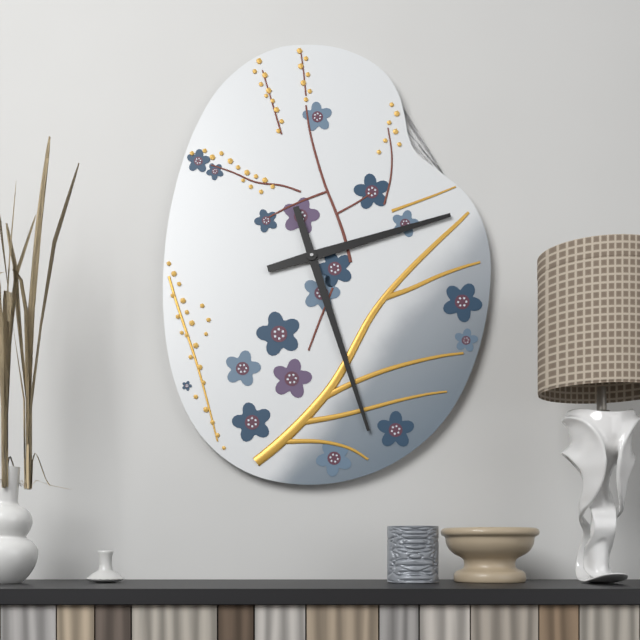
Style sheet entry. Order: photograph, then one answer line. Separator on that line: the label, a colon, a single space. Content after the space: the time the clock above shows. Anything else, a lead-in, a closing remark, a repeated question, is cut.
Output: 2:27
